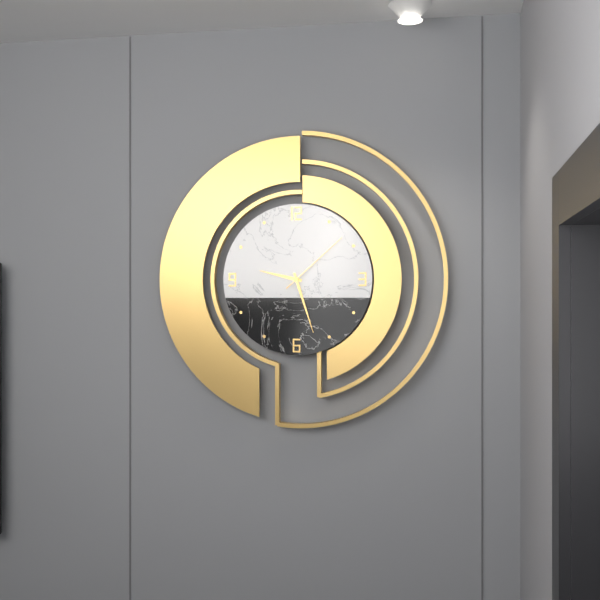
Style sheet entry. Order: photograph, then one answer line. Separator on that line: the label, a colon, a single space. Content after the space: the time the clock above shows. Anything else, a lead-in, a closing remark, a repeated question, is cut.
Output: 9:27:08
